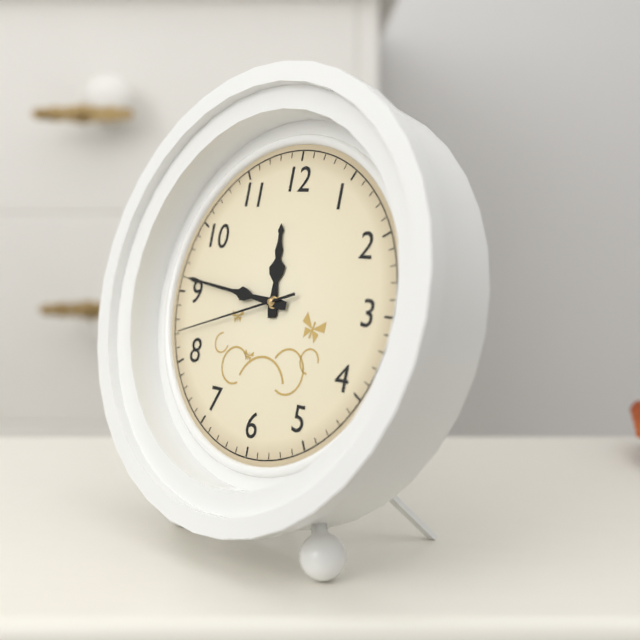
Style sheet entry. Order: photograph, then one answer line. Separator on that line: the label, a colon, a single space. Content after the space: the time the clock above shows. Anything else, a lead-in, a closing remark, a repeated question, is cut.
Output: 11:46:42
